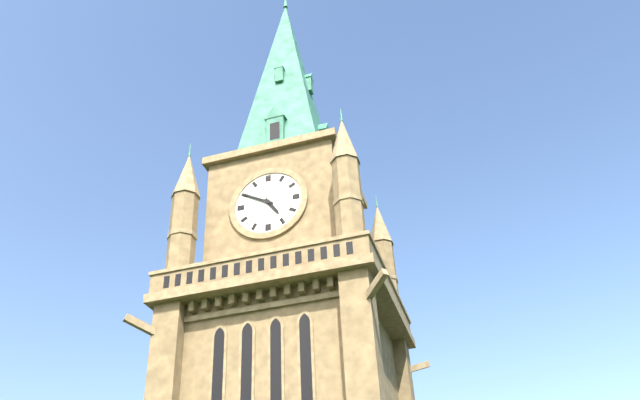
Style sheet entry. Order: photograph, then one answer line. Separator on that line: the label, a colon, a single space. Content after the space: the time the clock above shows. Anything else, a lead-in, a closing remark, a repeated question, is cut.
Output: 4:50
